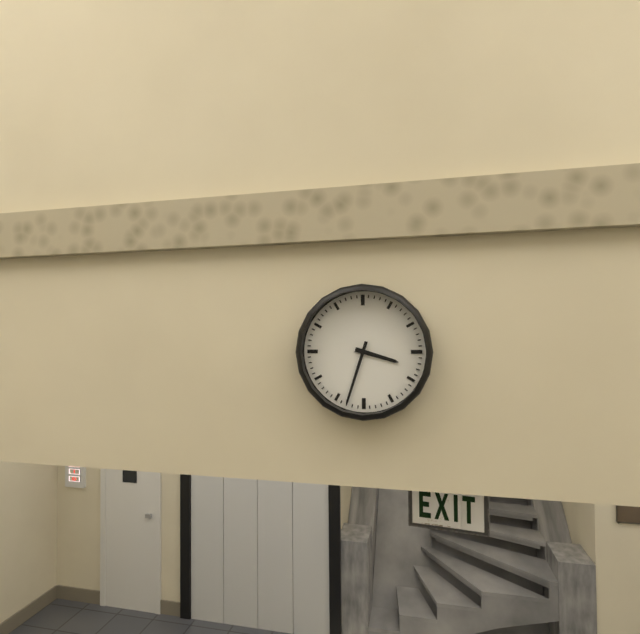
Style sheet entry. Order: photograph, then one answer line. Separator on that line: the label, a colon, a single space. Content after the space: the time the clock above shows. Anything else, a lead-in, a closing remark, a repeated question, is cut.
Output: 3:33
